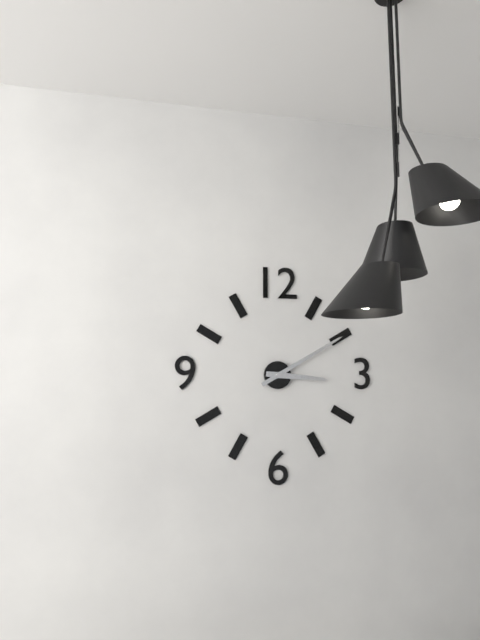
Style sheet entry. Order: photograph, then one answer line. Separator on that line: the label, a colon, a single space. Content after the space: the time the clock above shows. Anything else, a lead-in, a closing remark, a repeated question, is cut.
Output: 3:10
